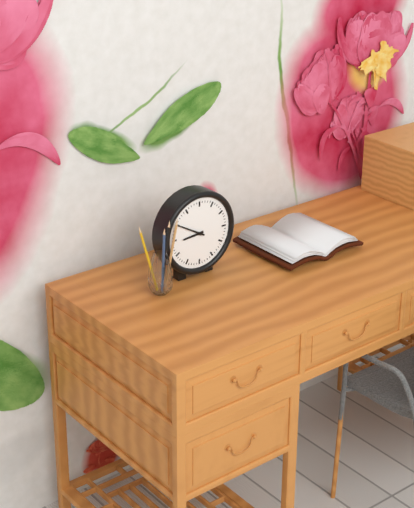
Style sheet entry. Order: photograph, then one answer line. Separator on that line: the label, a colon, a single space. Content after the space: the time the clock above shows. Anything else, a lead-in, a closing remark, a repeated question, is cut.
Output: 8:50
